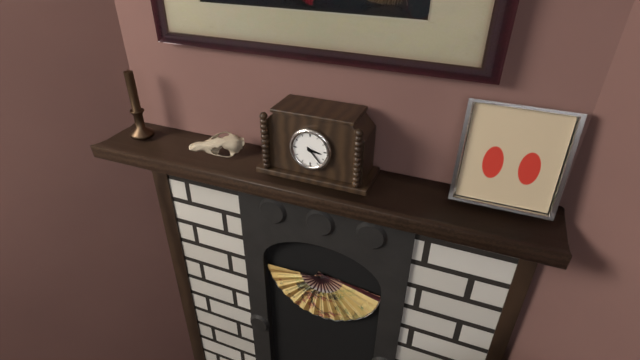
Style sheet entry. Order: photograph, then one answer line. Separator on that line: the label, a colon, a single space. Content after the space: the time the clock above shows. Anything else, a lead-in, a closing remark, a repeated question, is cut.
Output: 3:23
